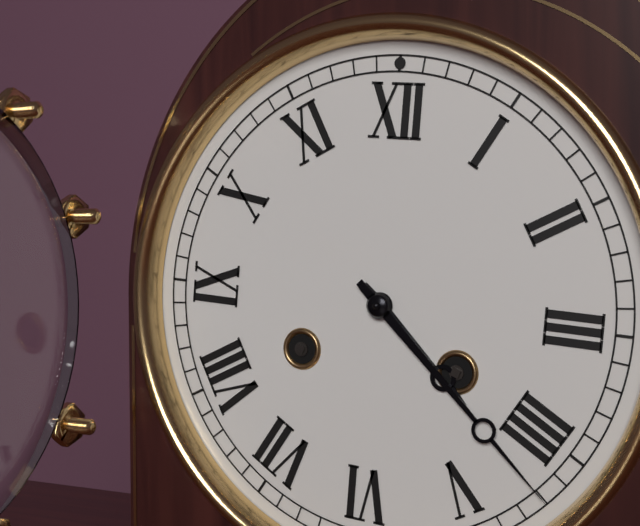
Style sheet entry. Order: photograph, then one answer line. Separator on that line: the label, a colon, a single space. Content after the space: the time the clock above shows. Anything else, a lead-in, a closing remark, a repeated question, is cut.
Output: 4:22
